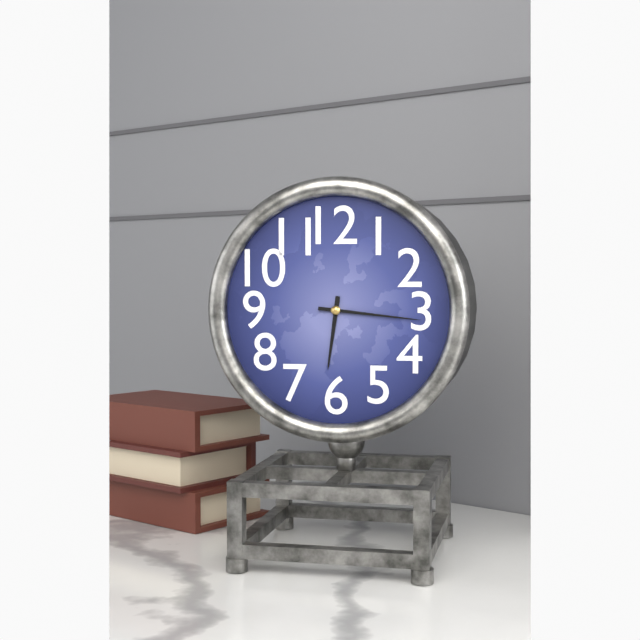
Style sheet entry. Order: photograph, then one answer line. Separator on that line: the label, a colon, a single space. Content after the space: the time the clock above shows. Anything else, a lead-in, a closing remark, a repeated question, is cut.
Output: 6:16
